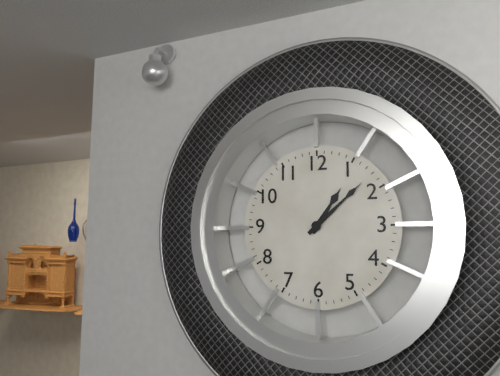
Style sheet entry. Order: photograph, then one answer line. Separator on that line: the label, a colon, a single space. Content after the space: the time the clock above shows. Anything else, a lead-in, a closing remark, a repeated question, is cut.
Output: 1:08
